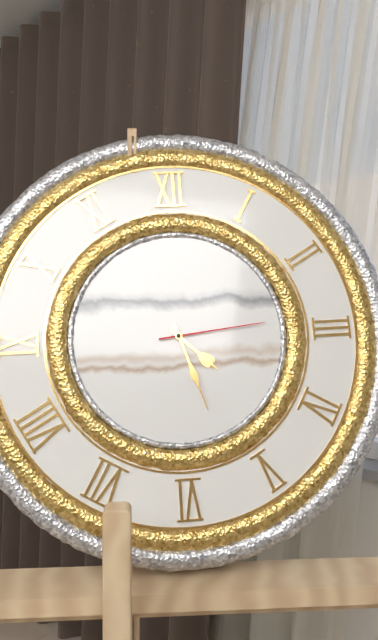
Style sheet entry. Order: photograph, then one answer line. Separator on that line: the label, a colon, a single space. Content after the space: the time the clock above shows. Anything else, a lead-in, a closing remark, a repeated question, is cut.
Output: 4:27:14
